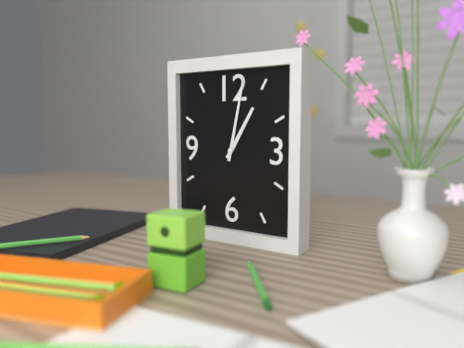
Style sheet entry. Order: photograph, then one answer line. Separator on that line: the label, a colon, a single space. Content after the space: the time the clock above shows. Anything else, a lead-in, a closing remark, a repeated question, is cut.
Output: 1:02
